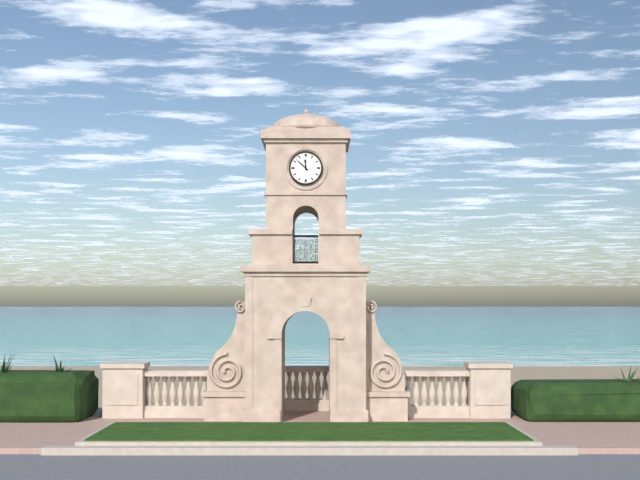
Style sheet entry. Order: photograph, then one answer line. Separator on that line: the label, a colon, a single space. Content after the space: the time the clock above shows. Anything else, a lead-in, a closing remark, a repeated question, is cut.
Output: 11:52
